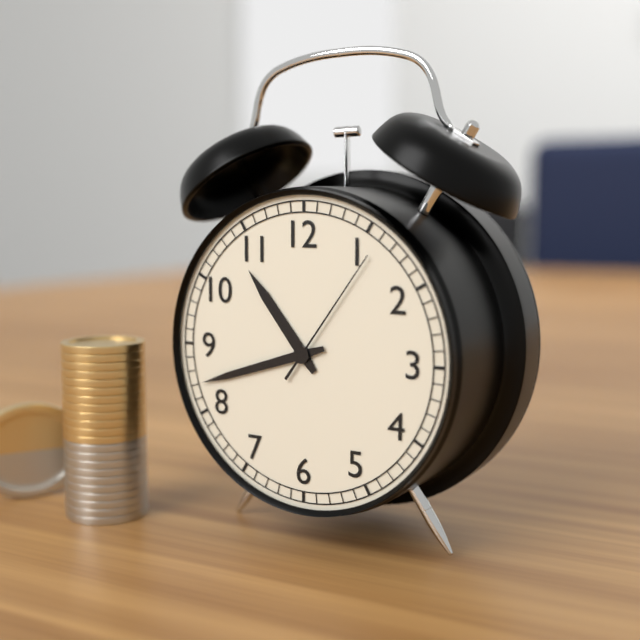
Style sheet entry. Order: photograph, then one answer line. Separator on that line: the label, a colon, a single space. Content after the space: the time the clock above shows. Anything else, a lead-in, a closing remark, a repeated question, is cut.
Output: 10:42:06
